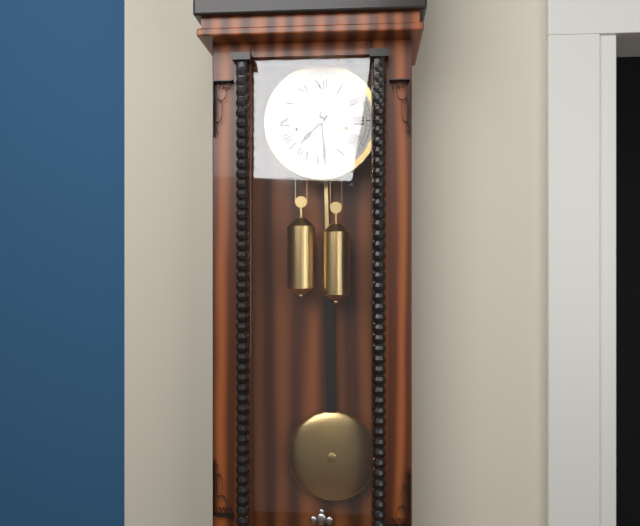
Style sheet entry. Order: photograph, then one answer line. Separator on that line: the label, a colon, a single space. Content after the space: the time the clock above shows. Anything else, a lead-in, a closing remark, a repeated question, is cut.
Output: 7:29
